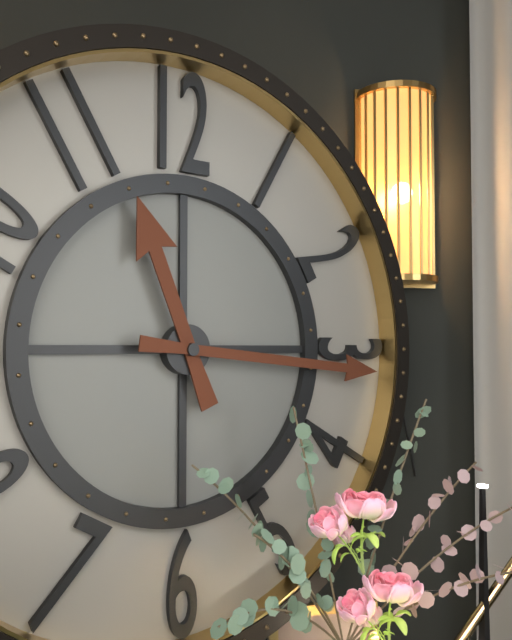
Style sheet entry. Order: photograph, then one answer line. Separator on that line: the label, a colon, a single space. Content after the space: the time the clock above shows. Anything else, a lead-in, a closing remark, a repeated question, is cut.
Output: 11:16
